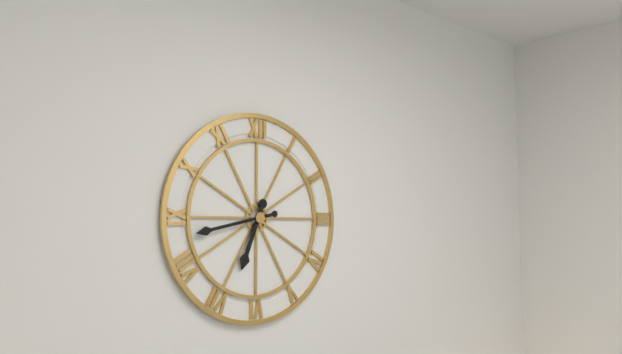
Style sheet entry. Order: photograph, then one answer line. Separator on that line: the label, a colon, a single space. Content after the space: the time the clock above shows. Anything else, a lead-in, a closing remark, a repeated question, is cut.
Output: 6:43
